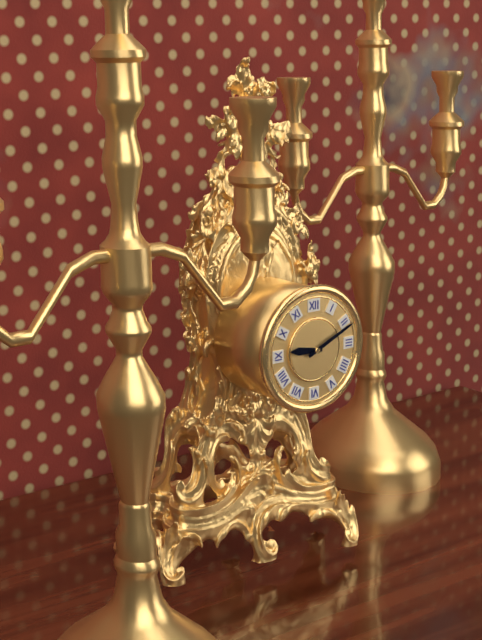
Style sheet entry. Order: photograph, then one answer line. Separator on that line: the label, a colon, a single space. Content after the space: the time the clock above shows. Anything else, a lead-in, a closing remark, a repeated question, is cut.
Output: 9:11
